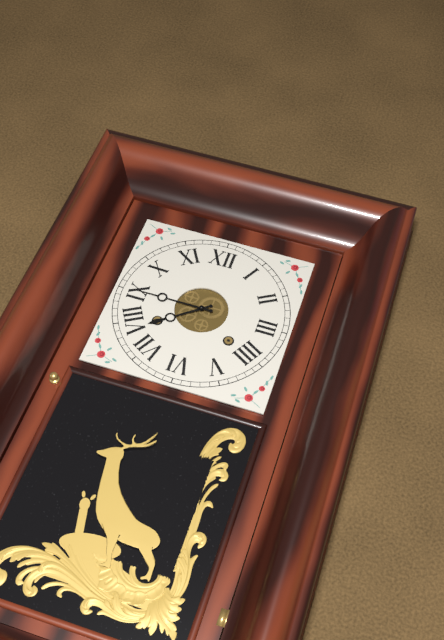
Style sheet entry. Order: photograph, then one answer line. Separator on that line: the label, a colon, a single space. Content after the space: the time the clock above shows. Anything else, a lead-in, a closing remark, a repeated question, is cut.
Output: 7:45
